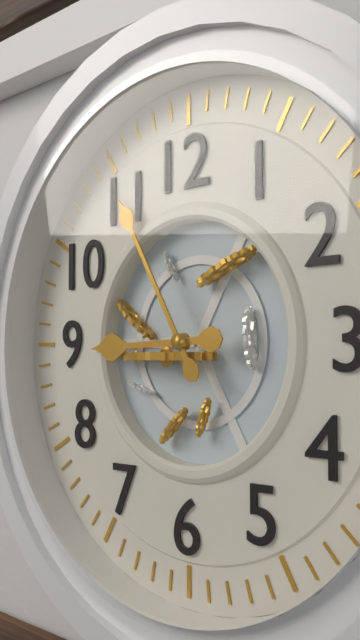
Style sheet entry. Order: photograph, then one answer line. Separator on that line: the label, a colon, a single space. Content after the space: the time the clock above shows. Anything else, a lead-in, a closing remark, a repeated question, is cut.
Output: 8:55
